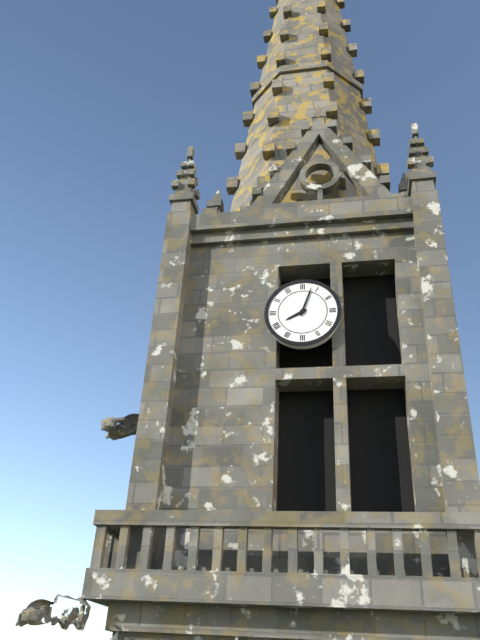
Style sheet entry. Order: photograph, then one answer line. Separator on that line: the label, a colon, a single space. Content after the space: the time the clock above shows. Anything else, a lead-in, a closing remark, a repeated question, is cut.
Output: 8:03
